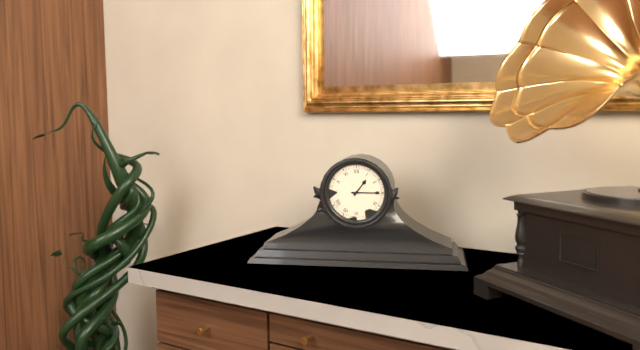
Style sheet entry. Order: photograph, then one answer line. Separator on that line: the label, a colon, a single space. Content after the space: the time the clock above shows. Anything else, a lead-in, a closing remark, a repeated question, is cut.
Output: 1:15
